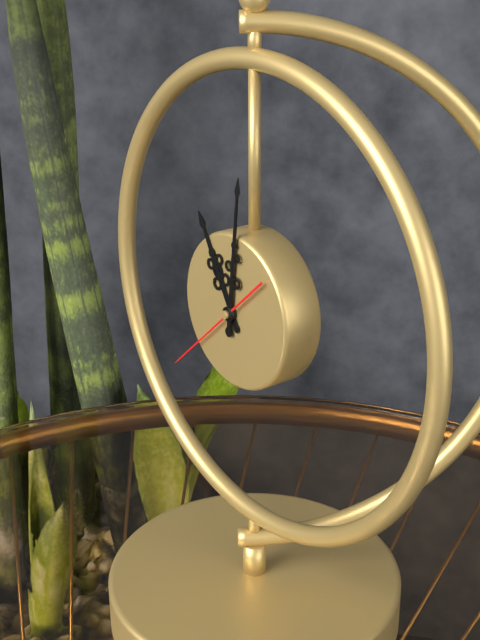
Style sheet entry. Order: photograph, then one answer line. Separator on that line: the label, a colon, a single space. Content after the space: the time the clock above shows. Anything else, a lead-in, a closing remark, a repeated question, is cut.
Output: 11:01:38
